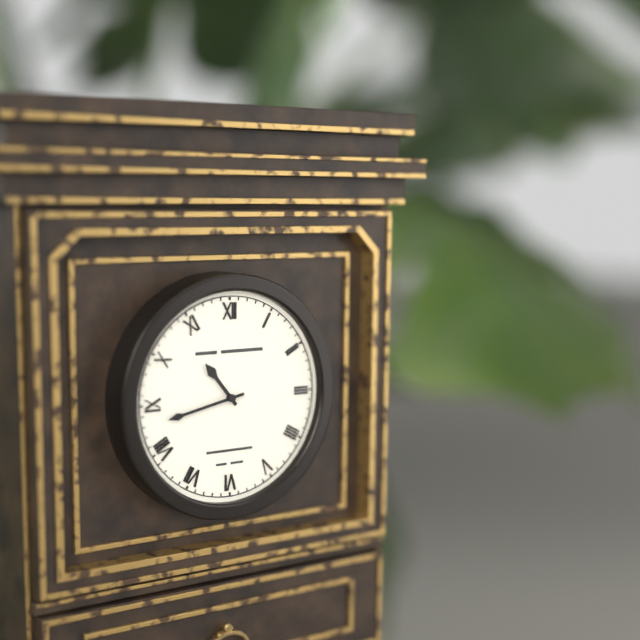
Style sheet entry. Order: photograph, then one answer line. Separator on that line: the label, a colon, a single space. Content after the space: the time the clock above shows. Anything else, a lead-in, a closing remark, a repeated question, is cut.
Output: 10:43
